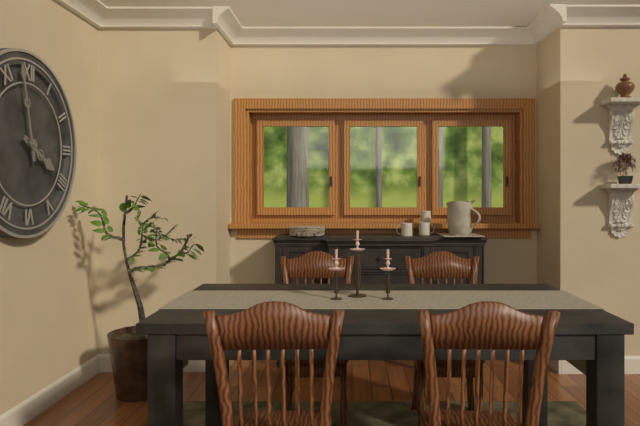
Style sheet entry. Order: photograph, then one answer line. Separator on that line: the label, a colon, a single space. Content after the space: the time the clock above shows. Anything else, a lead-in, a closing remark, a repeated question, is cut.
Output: 3:58
